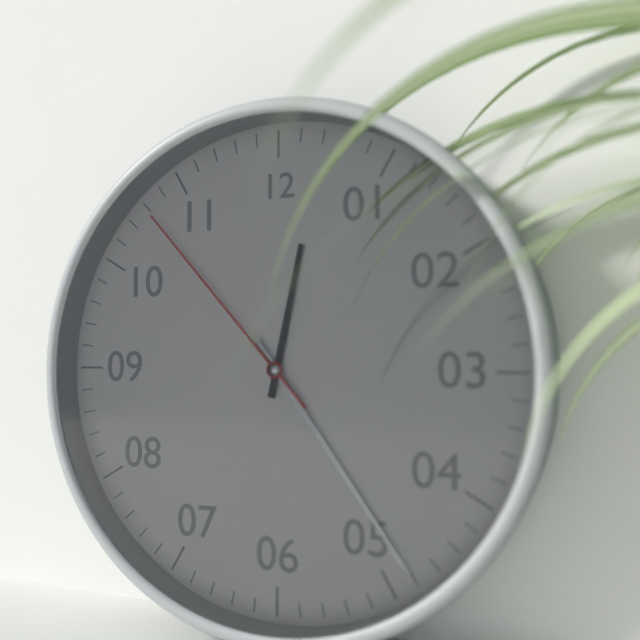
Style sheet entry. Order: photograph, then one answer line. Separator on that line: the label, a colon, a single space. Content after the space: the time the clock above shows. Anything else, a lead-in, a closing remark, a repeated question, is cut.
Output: 12:24:53
